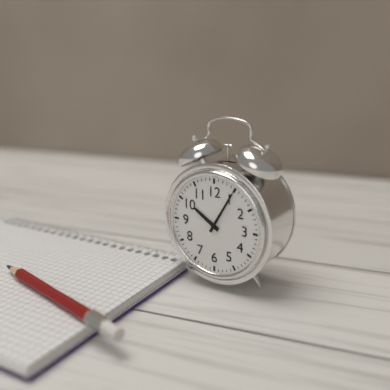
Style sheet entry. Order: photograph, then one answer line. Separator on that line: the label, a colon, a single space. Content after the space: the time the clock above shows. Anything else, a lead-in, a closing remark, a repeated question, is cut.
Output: 10:05
